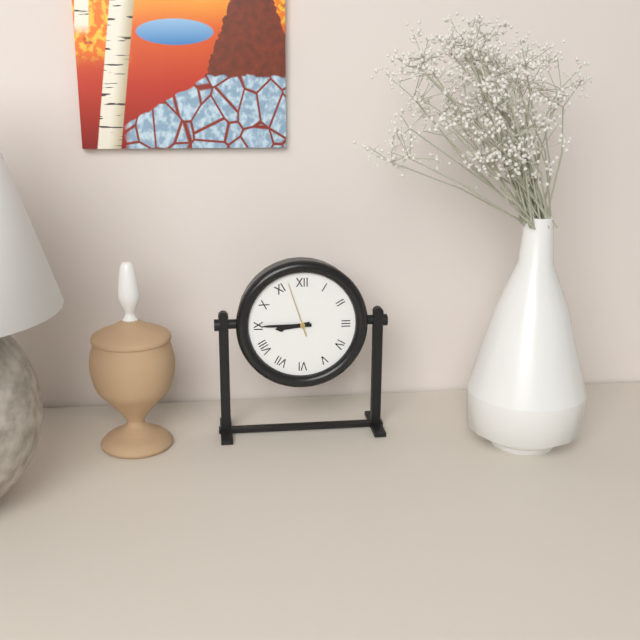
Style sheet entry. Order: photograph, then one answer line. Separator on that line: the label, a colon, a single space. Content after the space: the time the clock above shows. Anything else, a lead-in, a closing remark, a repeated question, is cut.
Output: 8:45:57
